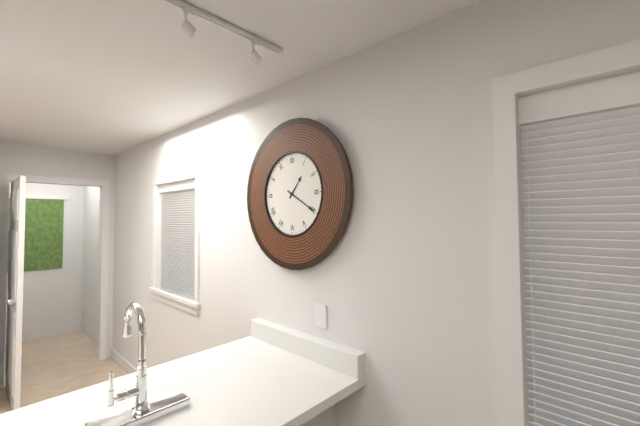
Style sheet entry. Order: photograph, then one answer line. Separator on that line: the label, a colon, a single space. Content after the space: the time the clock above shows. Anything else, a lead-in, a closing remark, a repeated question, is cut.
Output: 1:20
